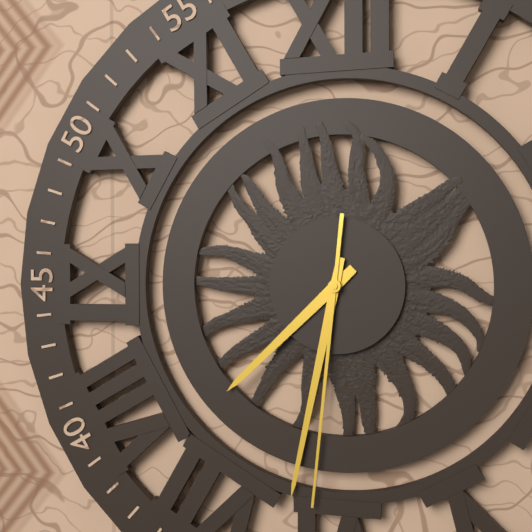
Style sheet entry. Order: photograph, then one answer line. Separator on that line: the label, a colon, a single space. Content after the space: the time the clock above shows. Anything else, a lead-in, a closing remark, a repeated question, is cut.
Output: 7:32:31
